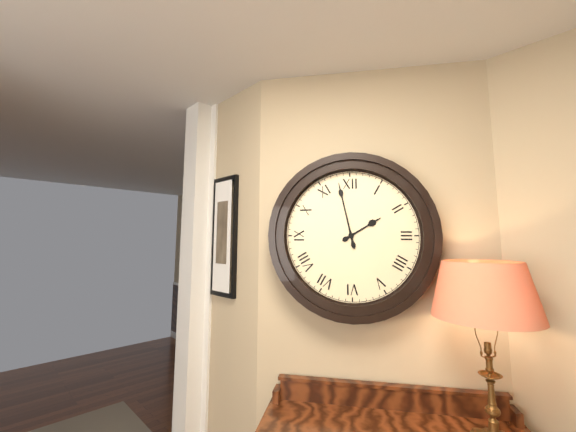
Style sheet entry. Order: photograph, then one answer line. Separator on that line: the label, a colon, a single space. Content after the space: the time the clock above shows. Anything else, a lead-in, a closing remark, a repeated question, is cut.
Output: 1:58
